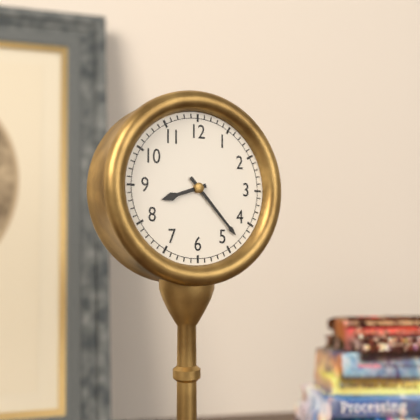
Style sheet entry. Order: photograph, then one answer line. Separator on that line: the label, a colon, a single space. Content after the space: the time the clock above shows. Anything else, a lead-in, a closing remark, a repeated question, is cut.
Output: 8:23
